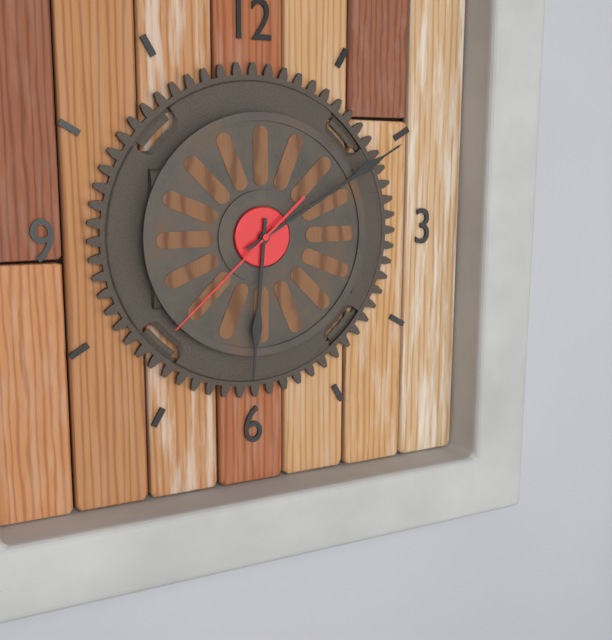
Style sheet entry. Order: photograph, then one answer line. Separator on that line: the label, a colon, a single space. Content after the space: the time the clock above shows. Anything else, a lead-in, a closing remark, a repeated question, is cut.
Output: 6:10:38
